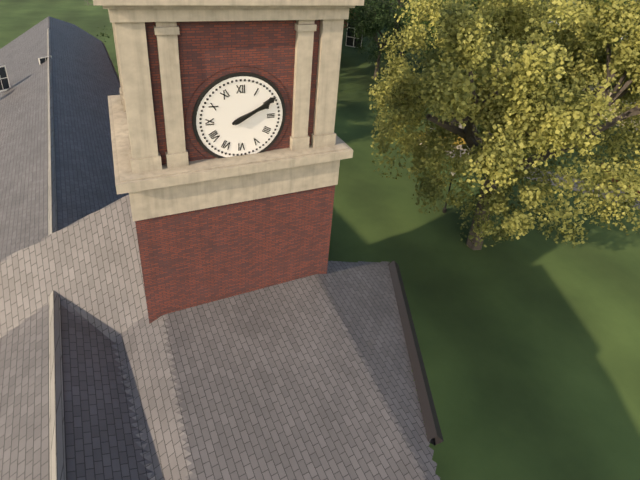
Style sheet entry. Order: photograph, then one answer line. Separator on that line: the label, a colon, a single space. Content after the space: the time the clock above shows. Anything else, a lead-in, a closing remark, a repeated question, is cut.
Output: 2:10
